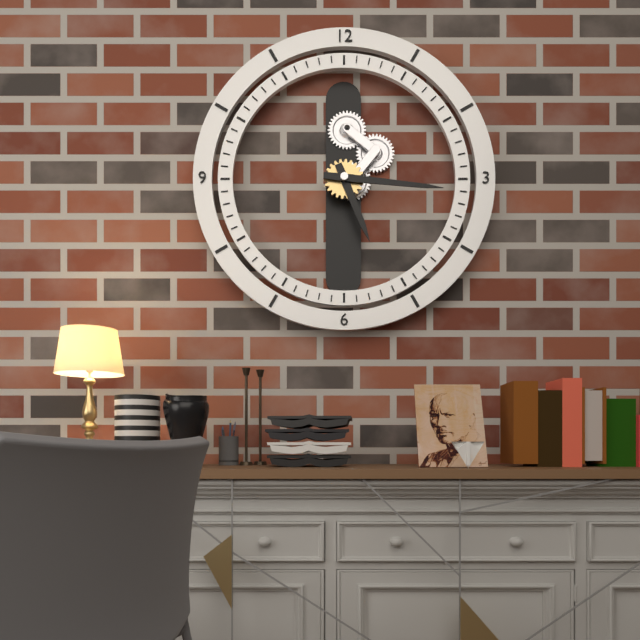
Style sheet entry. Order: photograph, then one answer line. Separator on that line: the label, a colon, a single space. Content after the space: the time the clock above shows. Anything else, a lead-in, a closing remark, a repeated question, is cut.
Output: 5:16
